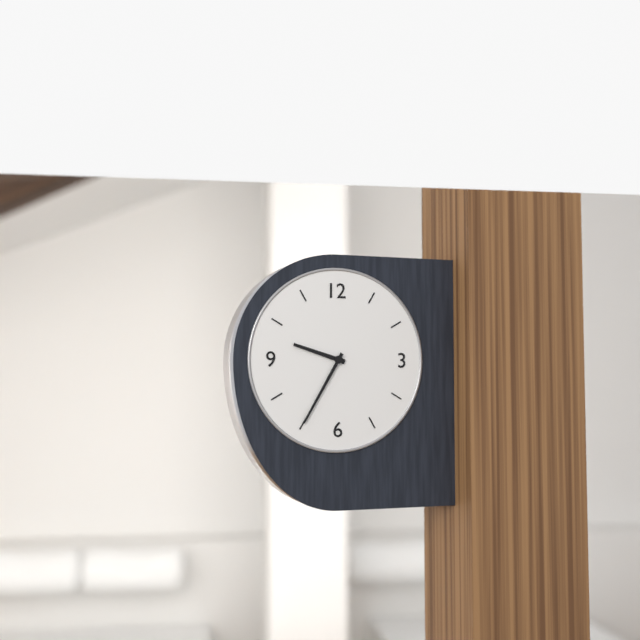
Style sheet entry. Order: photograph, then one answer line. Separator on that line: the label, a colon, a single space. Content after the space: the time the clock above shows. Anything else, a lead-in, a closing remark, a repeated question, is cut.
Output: 9:35
